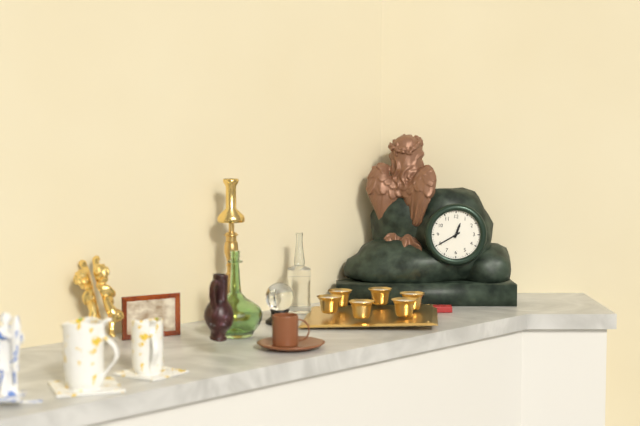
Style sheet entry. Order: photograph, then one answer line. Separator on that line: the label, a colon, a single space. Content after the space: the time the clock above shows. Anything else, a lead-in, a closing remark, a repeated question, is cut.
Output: 12:40
